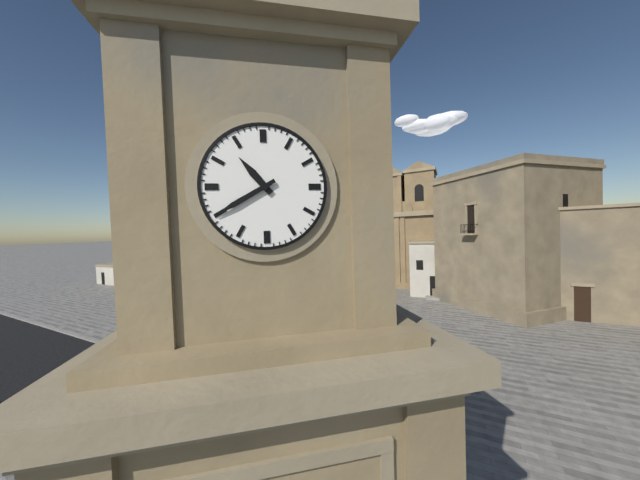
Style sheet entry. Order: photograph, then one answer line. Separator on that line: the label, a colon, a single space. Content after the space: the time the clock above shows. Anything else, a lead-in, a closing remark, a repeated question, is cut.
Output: 10:40
